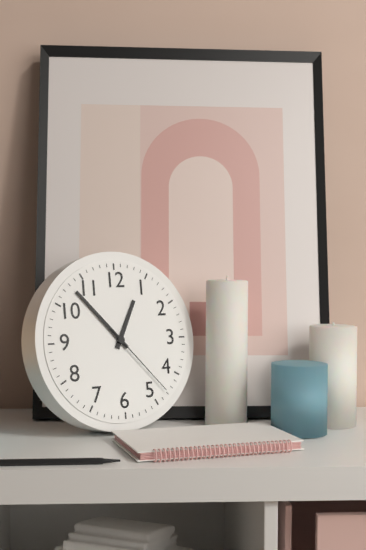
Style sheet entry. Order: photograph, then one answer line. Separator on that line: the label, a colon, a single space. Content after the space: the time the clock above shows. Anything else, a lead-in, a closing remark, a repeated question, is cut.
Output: 12:53:23
